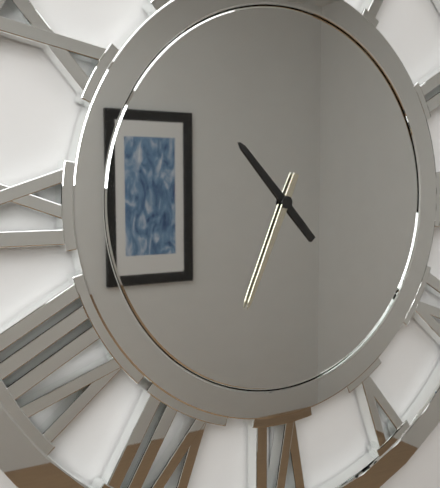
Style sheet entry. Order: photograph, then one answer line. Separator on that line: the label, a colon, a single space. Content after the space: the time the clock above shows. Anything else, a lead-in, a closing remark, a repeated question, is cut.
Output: 10:34
